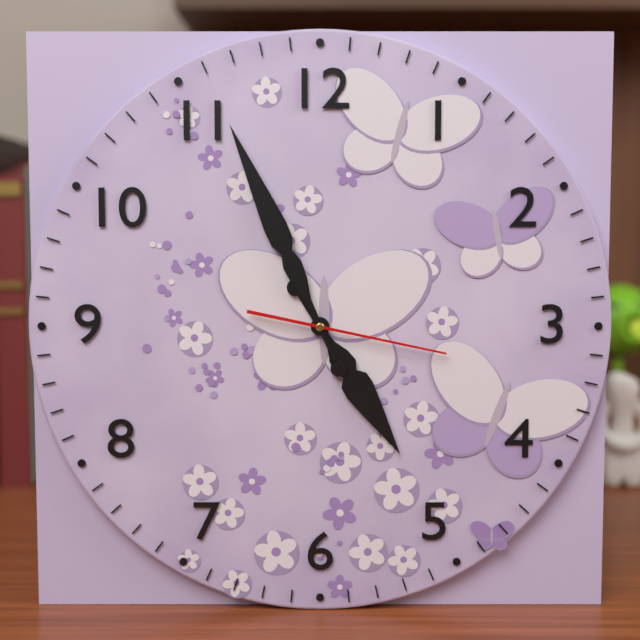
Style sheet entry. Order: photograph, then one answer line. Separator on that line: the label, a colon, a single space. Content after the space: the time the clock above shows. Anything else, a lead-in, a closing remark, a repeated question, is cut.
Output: 4:56:17
